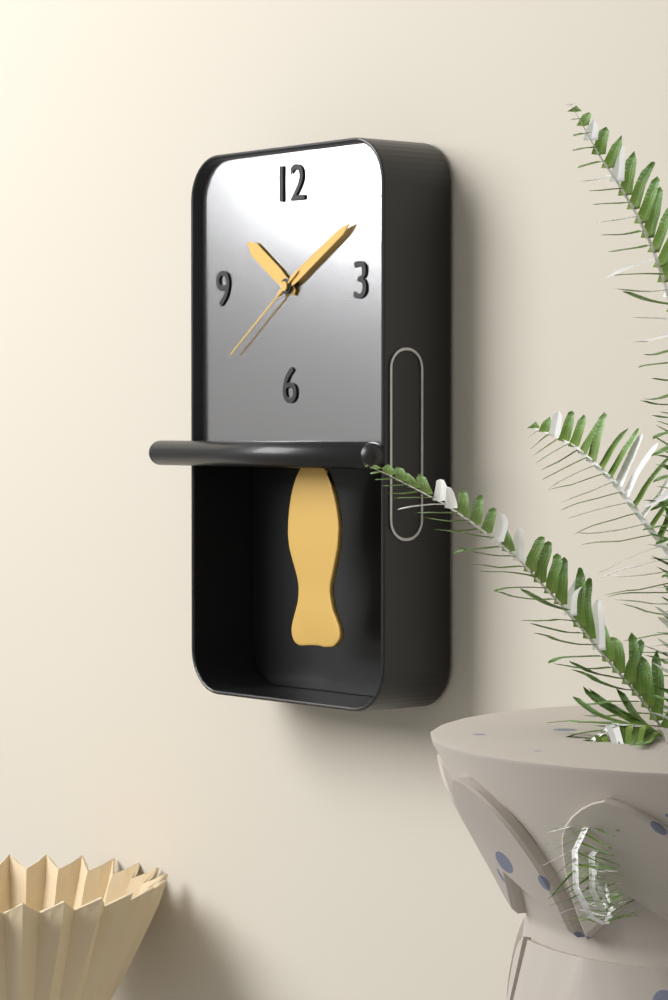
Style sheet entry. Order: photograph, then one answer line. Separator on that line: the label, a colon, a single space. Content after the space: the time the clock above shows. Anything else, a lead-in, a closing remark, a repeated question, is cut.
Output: 10:10:39
